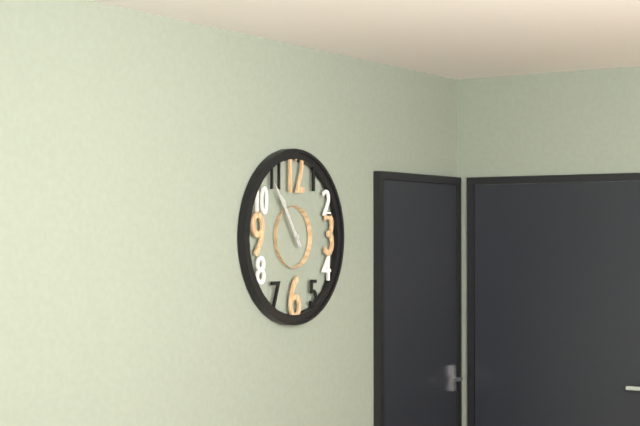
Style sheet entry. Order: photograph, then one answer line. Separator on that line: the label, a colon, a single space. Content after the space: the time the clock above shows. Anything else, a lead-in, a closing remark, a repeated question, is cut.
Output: 10:54
